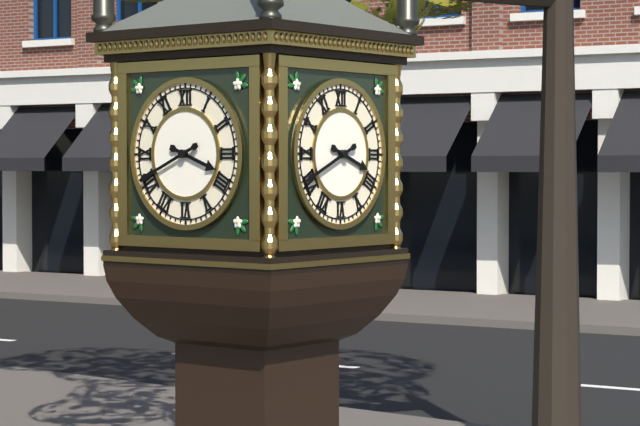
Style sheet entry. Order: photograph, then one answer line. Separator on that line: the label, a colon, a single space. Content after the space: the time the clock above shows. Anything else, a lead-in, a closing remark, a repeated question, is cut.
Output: 3:41
